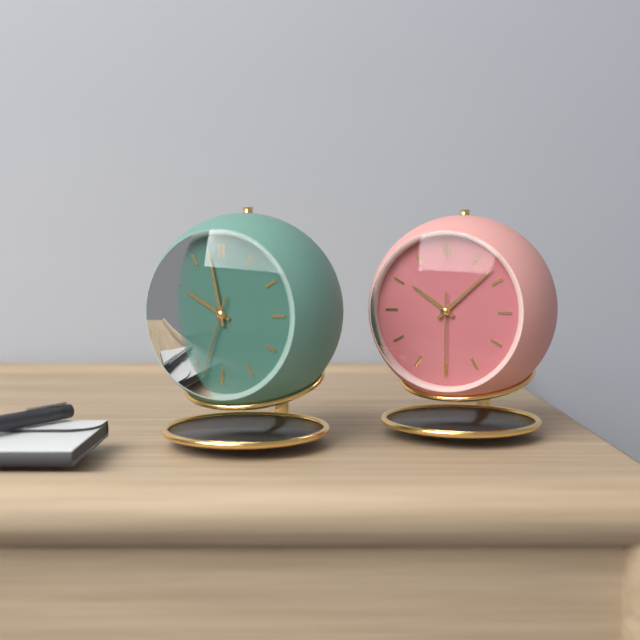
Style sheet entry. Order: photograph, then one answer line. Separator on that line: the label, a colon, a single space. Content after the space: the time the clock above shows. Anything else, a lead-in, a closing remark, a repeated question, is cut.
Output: 9:58:33
